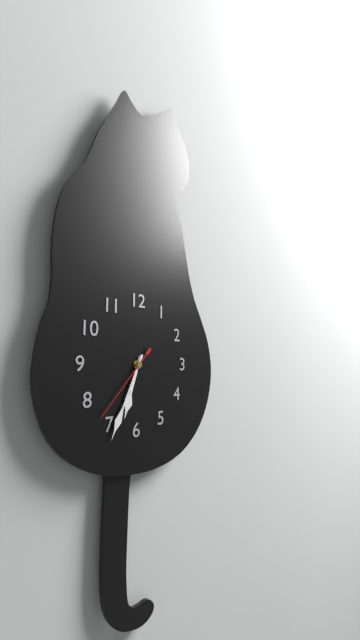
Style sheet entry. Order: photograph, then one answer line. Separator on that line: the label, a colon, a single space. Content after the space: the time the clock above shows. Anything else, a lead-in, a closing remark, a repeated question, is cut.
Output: 6:34:37
